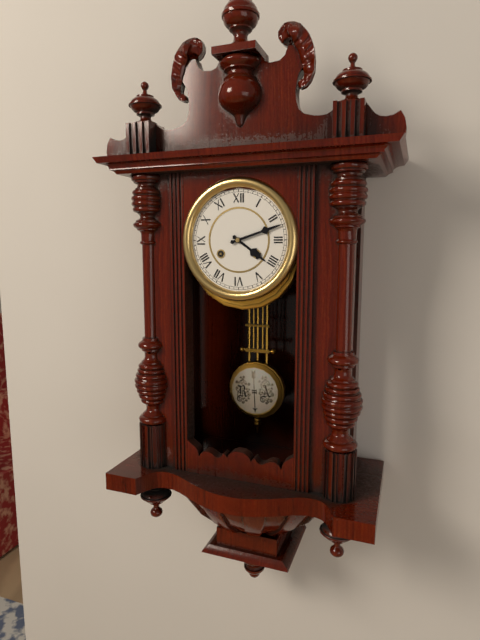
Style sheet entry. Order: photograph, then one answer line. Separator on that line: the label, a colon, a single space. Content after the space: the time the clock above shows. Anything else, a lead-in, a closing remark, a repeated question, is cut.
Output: 4:12
